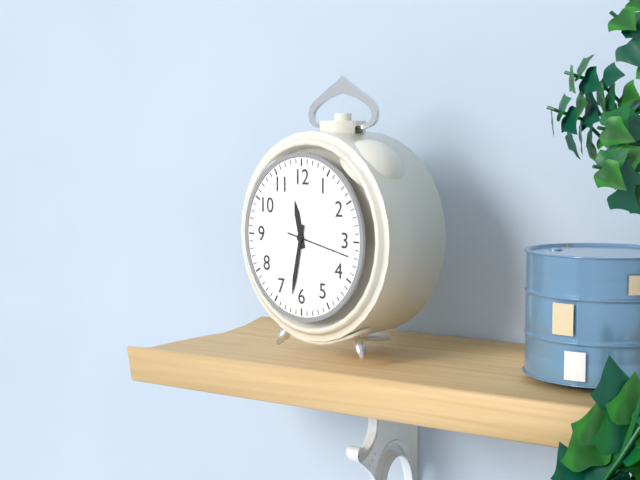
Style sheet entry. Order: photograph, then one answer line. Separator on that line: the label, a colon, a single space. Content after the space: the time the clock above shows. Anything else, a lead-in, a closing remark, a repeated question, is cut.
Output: 11:32:17
